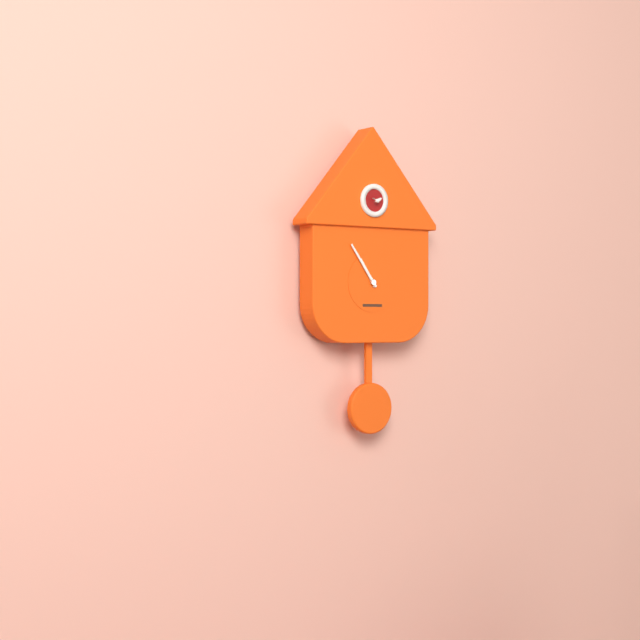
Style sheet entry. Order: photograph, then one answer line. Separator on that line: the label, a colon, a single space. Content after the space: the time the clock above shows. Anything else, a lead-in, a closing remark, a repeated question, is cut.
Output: 10:54
